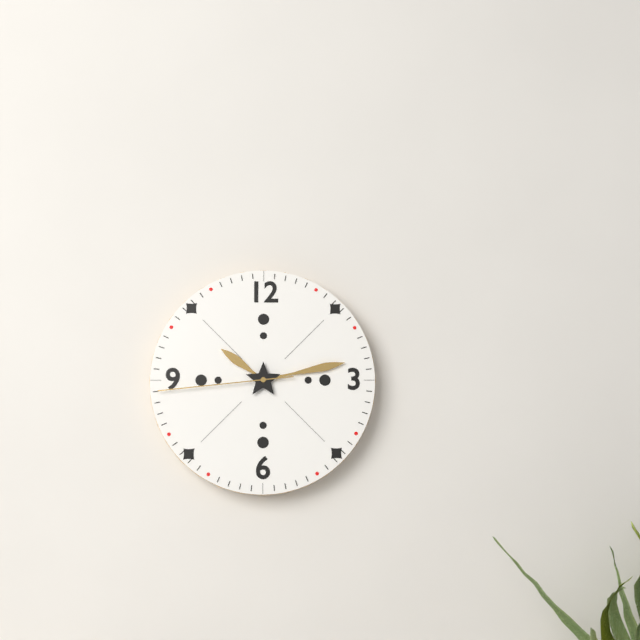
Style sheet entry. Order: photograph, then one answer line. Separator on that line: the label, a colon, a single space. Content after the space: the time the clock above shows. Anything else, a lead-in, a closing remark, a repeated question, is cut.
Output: 10:13:44
